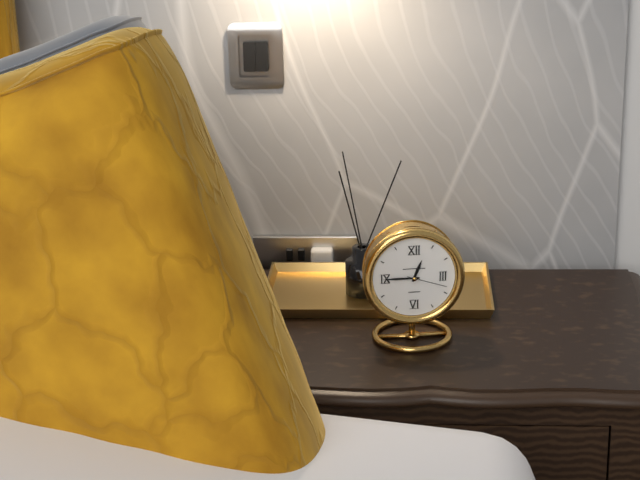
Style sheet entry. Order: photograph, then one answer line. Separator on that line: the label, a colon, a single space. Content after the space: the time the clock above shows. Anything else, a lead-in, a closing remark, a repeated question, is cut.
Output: 12:45
